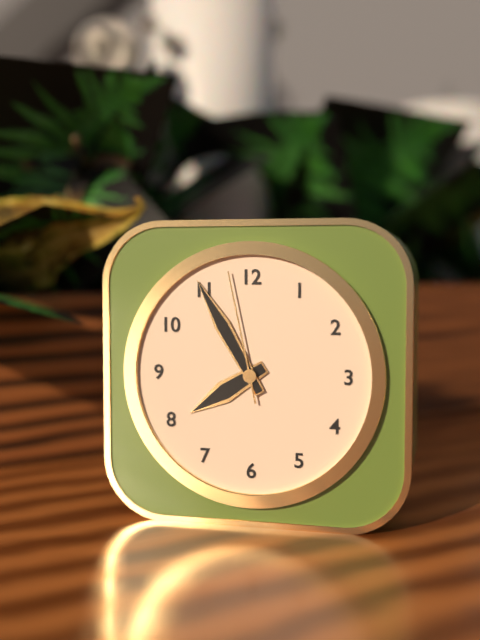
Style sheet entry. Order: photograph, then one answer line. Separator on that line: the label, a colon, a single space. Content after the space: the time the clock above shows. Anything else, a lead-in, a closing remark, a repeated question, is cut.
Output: 7:55:58
